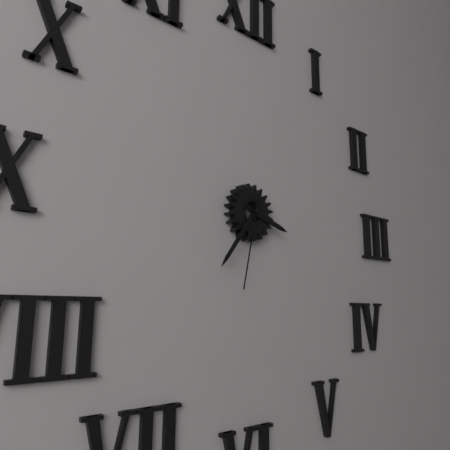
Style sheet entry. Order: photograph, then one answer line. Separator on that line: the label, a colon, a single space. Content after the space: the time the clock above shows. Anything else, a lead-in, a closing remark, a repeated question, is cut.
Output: 3:36:32
